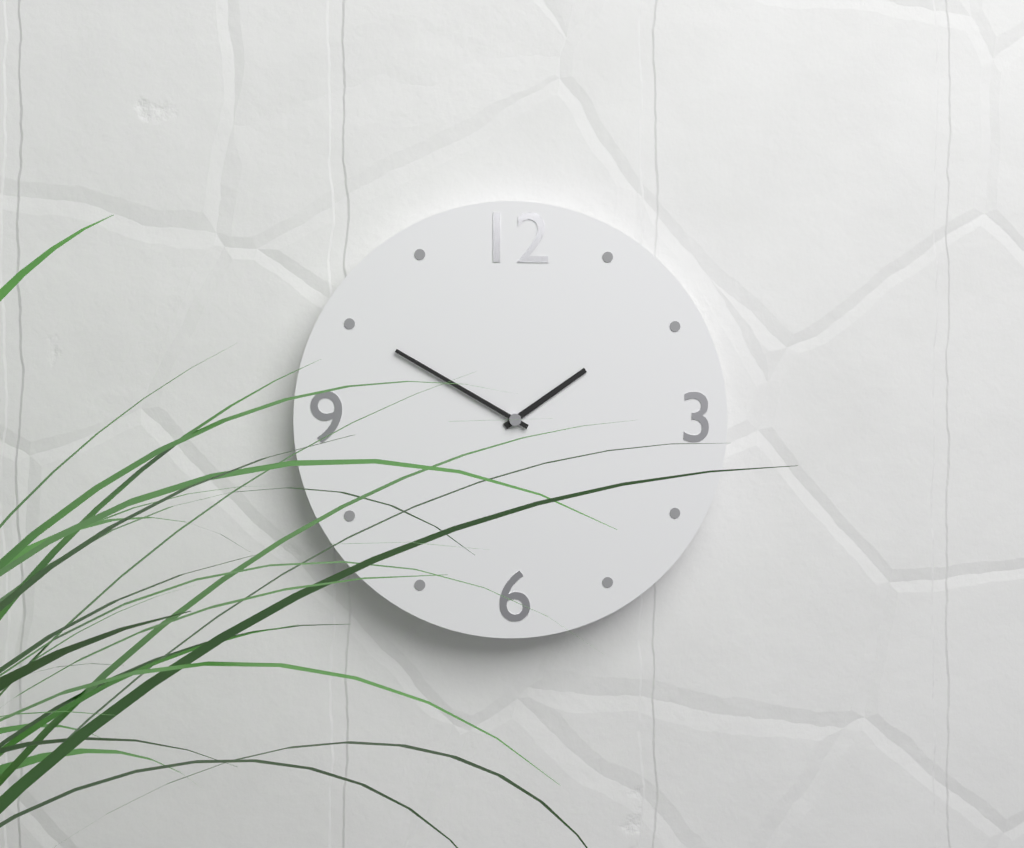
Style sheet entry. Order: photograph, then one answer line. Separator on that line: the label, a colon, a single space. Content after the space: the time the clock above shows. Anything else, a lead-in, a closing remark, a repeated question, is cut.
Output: 1:50
